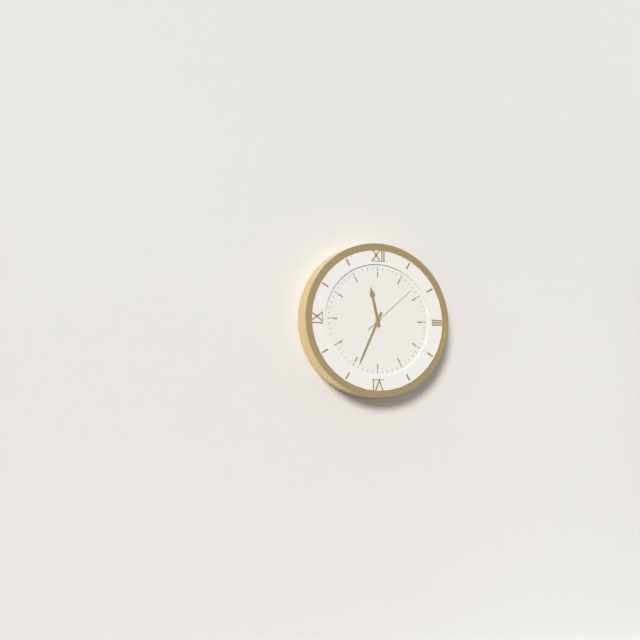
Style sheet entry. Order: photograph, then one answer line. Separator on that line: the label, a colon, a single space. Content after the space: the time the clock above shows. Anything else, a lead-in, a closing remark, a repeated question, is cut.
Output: 11:34:08
